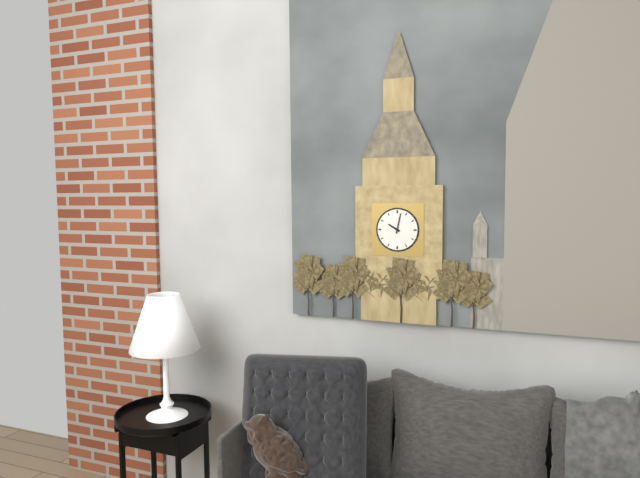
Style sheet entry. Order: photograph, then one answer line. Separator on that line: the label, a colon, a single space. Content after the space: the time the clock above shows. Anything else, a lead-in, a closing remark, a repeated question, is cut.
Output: 10:02
